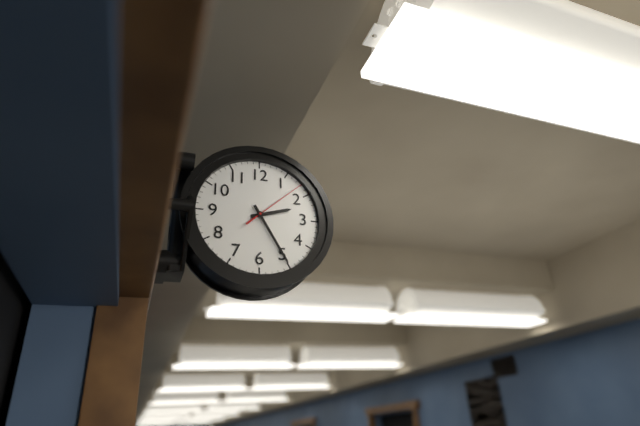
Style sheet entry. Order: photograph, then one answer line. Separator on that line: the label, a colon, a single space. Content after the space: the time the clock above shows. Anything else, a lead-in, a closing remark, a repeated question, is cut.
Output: 2:25:08
